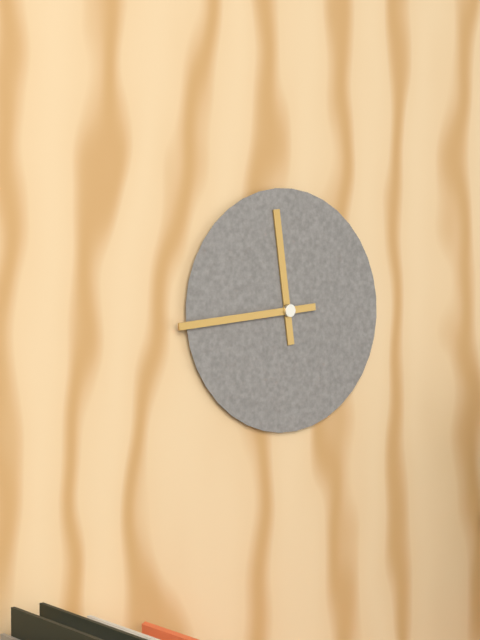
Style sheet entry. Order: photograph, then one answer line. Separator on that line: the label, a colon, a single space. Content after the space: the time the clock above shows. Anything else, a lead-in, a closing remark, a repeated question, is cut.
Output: 11:44
